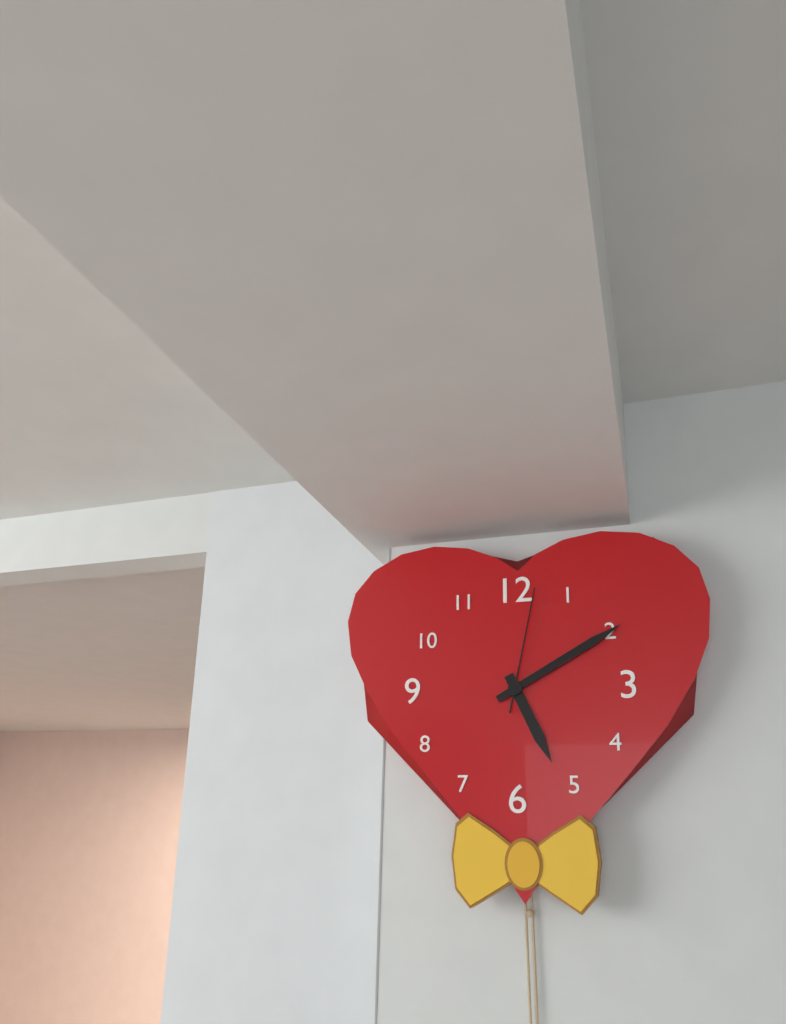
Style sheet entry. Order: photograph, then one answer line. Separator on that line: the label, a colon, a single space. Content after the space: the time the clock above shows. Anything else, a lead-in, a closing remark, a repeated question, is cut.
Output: 5:10:02
